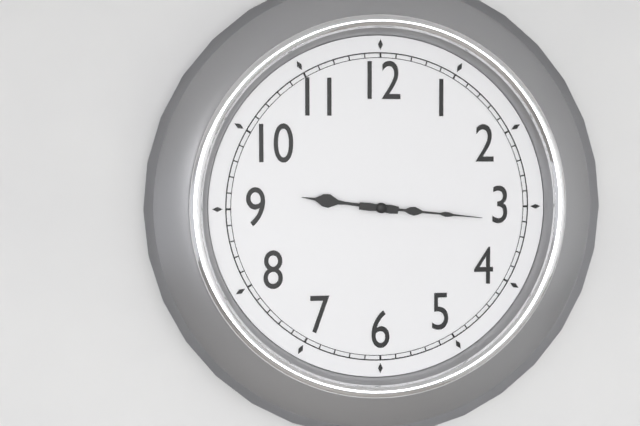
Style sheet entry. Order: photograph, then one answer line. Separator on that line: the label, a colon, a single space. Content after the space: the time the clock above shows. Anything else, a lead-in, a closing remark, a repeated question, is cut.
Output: 9:16
